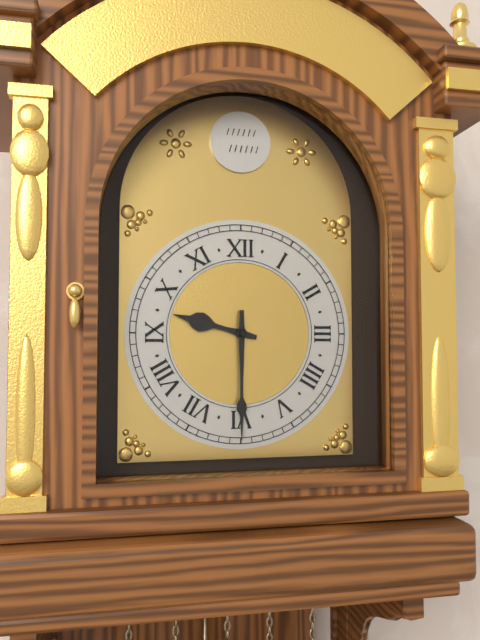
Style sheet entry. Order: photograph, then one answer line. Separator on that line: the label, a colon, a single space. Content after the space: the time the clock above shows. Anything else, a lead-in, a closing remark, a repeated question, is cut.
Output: 9:30
